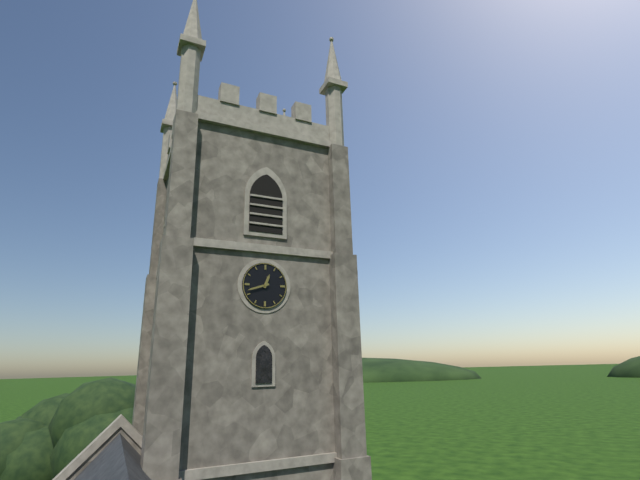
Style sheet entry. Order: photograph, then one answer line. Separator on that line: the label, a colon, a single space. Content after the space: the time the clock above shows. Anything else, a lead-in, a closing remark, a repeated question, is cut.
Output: 12:42
